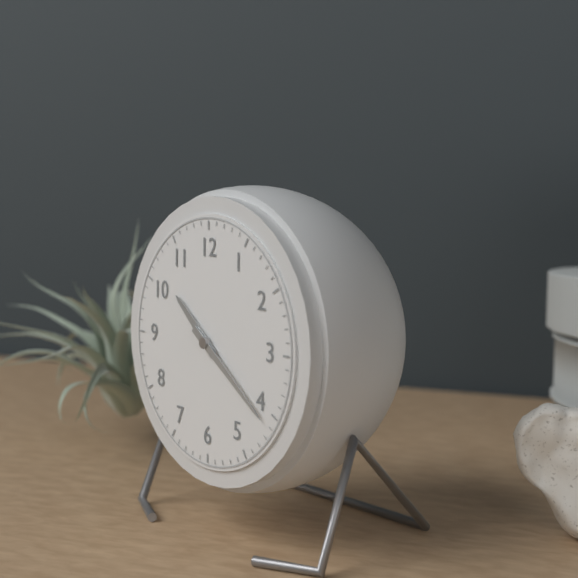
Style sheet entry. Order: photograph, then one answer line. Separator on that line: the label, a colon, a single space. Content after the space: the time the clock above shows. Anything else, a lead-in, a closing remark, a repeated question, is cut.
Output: 10:21
